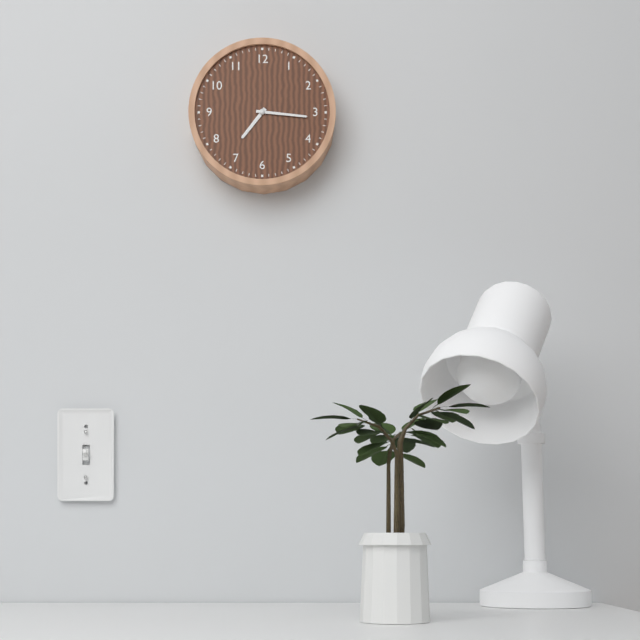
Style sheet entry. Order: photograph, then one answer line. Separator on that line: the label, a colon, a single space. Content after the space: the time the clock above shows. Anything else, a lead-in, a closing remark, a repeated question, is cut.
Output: 7:16
